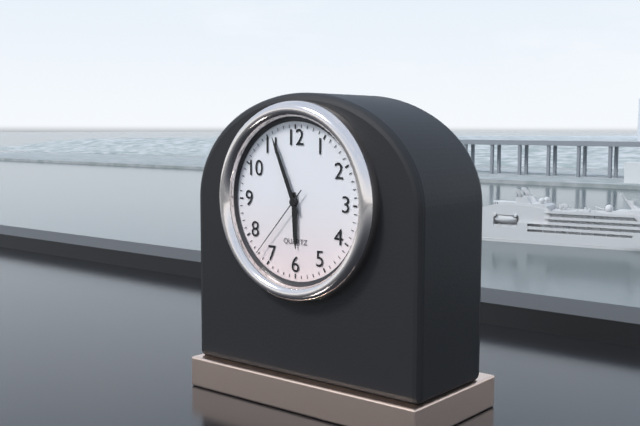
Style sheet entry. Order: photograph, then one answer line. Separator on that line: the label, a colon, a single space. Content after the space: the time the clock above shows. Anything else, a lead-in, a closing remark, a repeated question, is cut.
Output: 5:56:37
